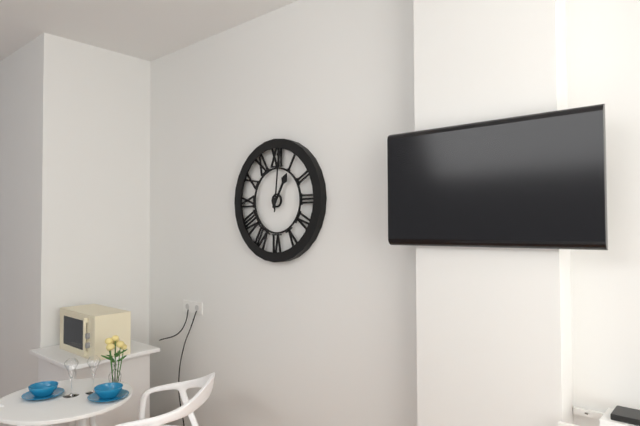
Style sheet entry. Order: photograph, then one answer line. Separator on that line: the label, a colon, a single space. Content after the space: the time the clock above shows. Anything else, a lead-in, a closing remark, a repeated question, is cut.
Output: 1:01
